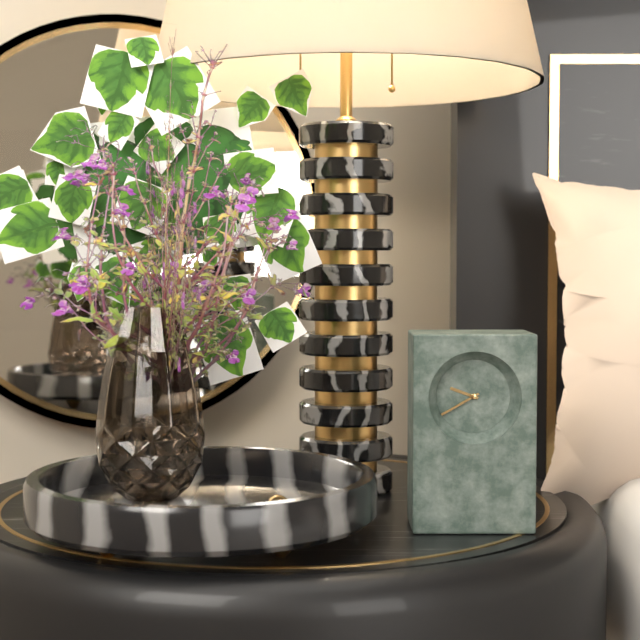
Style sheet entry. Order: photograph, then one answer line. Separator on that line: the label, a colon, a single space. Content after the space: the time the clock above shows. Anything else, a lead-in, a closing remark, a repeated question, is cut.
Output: 9:40
